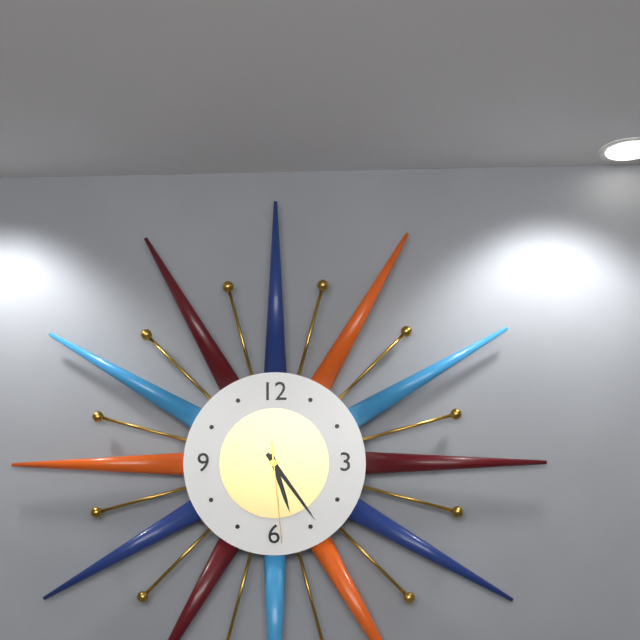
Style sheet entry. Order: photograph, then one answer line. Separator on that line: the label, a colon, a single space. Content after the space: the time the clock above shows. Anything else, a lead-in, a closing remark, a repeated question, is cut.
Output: 5:24:29
